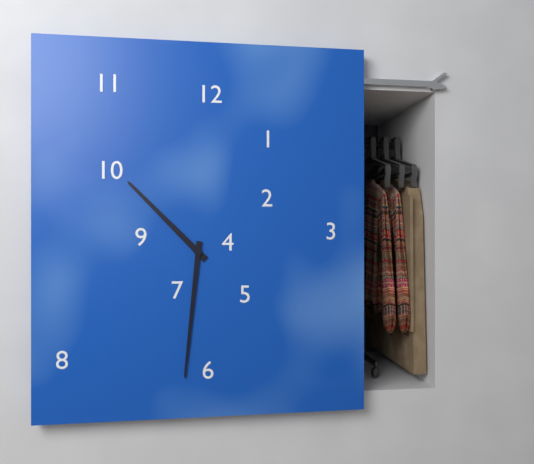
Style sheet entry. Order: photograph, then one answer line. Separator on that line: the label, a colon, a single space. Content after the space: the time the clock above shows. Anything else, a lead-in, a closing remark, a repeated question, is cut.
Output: 10:31
